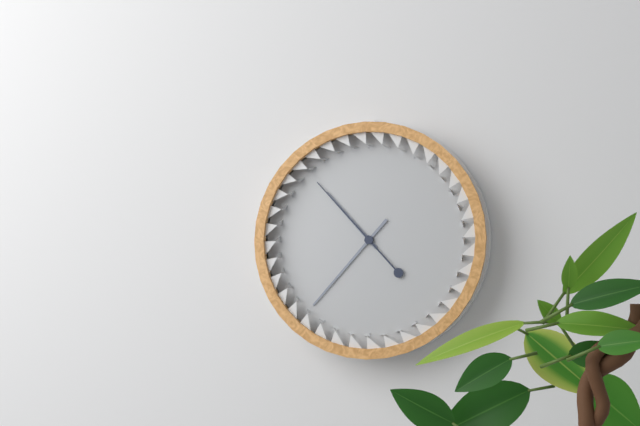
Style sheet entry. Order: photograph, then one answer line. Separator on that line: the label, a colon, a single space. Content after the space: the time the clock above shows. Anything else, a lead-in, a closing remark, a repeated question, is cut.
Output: 10:37:53
